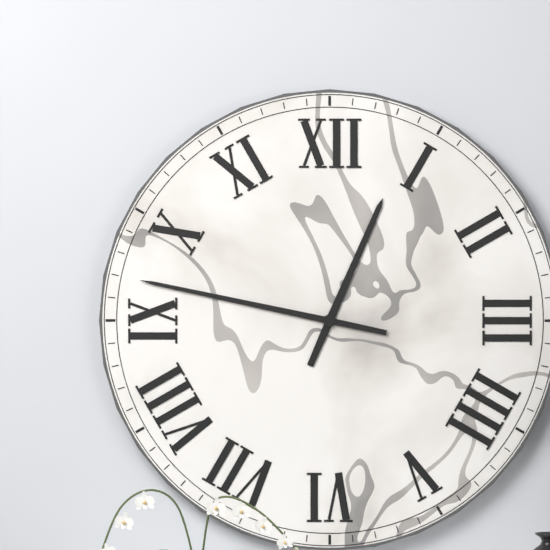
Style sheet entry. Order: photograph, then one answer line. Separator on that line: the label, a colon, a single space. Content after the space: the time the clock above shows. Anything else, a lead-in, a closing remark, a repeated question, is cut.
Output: 12:47
